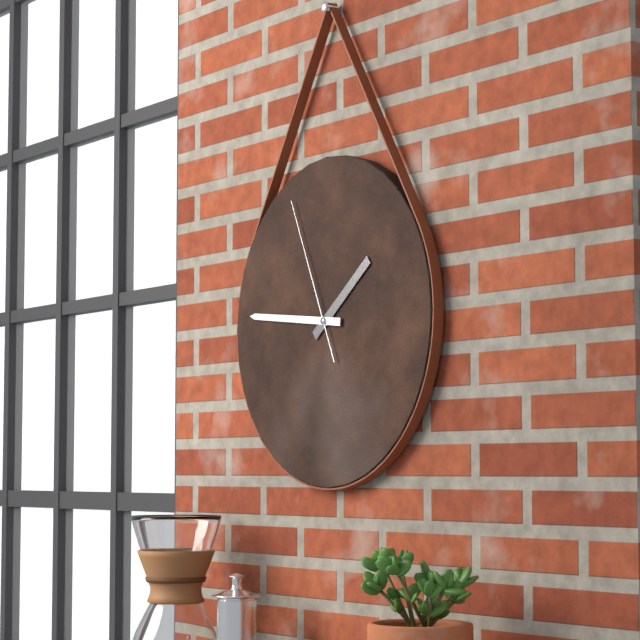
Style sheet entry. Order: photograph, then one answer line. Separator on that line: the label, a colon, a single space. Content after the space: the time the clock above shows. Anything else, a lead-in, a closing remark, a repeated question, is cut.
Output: 1:46:56
